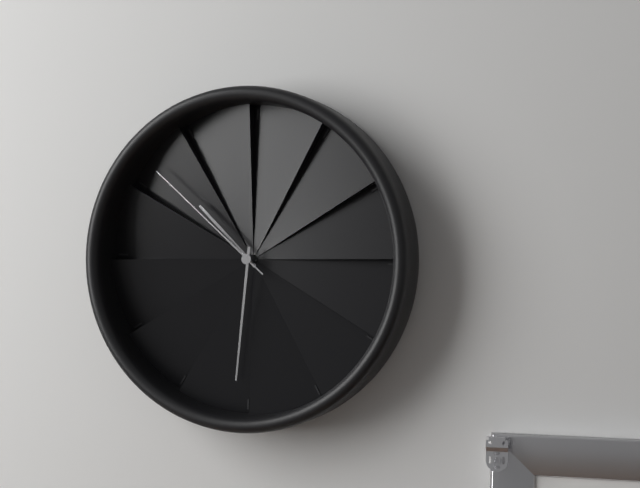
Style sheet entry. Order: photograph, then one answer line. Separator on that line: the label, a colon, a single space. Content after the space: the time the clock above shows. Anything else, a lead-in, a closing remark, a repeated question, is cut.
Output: 10:31:52
